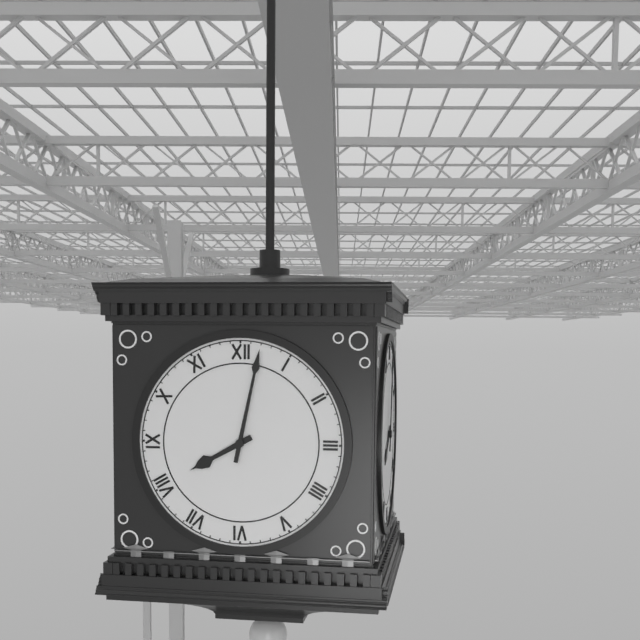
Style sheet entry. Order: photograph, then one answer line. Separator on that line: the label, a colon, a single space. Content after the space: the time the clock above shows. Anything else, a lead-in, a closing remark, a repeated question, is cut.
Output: 8:02
